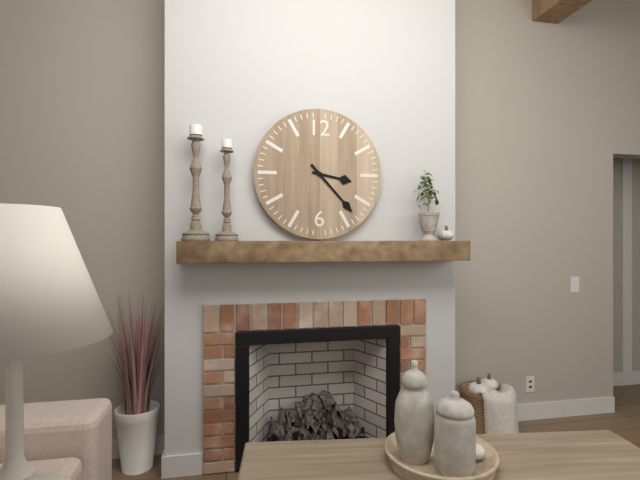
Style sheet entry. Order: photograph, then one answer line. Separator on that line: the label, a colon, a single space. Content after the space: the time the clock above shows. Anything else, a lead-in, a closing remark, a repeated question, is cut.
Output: 3:23
